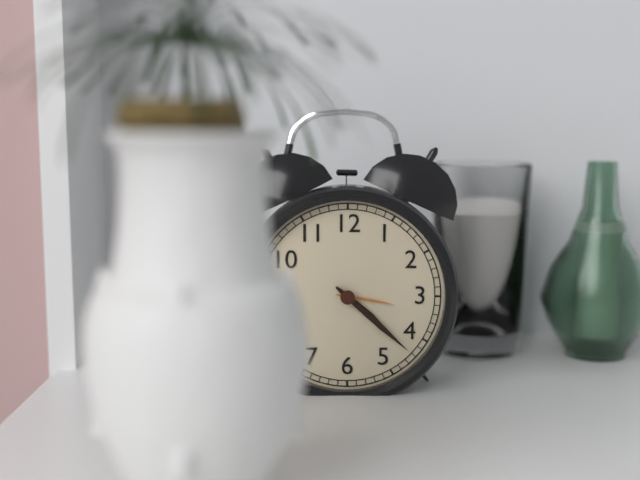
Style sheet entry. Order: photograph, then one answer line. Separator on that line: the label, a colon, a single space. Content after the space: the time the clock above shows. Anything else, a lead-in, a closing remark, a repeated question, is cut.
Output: 4:22
